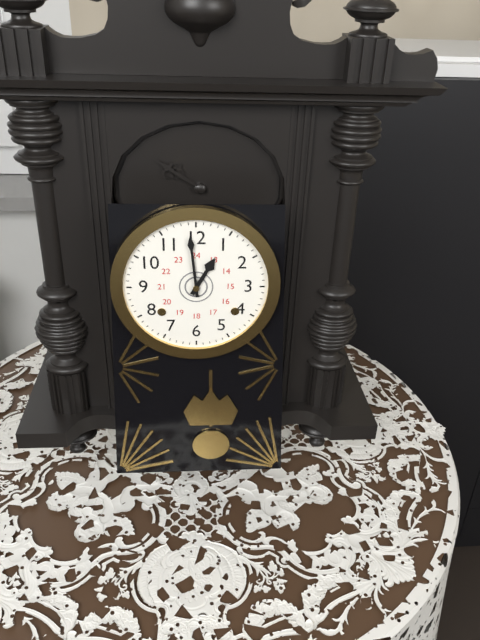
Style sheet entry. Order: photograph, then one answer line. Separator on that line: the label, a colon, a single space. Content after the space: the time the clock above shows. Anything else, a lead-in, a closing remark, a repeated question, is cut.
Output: 12:59
